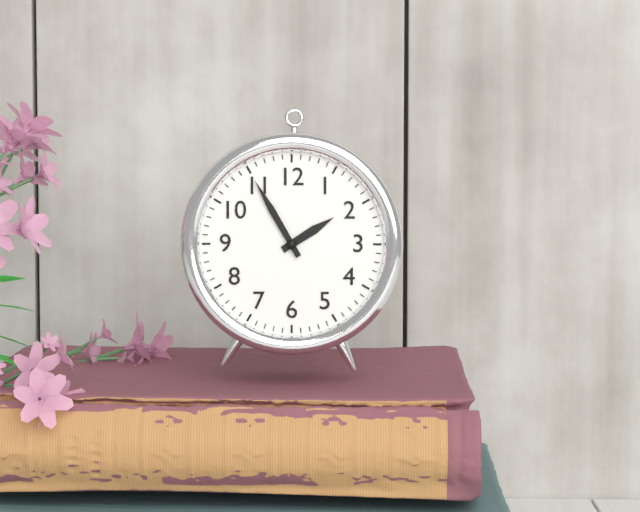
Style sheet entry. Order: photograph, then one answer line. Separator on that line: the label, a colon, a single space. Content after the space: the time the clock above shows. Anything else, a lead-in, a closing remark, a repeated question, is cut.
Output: 1:55
